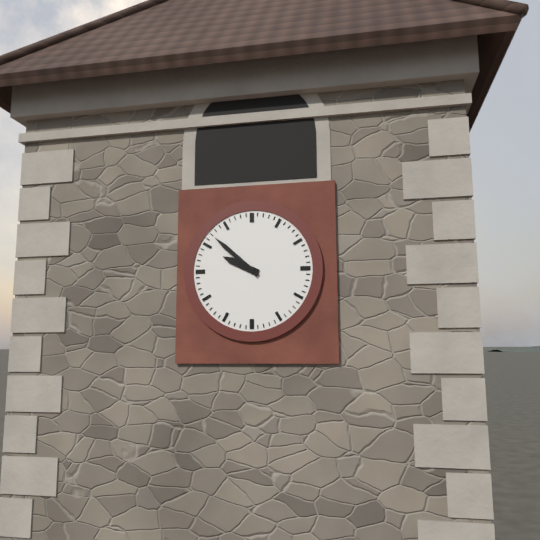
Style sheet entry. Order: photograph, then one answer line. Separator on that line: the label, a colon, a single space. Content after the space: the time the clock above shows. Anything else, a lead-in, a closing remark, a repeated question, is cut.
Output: 9:52
